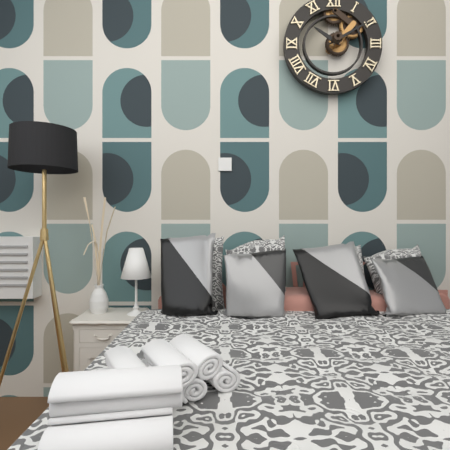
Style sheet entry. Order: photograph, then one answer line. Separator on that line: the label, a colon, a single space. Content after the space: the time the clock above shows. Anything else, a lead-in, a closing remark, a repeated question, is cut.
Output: 10:10
